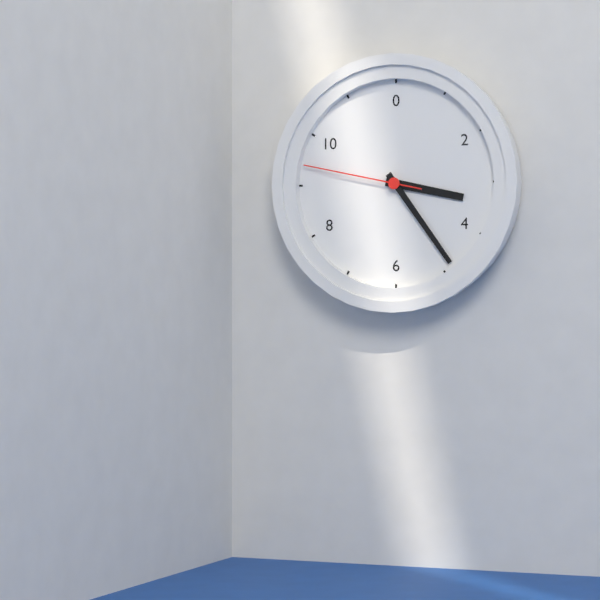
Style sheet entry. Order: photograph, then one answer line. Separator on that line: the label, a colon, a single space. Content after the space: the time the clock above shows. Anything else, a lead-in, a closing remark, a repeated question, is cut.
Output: 3:24:47
